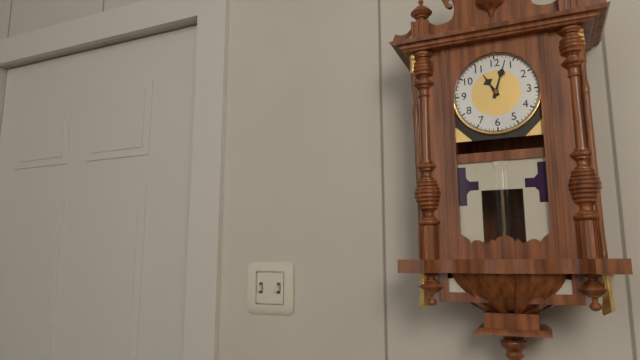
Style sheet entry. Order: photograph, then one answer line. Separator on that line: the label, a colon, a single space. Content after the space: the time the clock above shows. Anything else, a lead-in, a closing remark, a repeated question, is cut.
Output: 11:03
